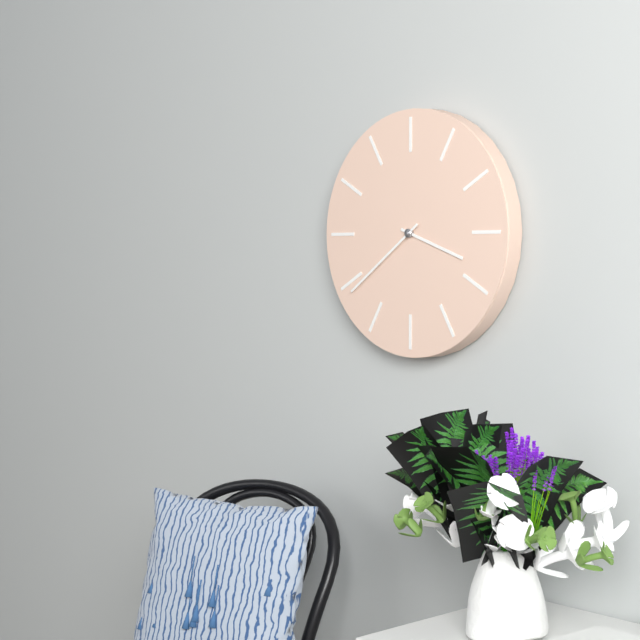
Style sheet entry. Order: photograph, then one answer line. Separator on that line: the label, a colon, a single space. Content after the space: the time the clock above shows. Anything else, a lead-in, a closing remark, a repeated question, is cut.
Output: 3:39
